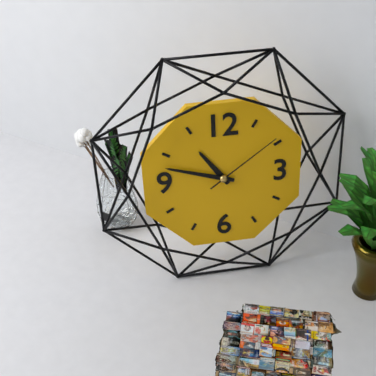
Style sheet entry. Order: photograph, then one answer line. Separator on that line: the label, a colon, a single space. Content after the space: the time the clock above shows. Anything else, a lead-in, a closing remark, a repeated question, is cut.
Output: 10:48:09
